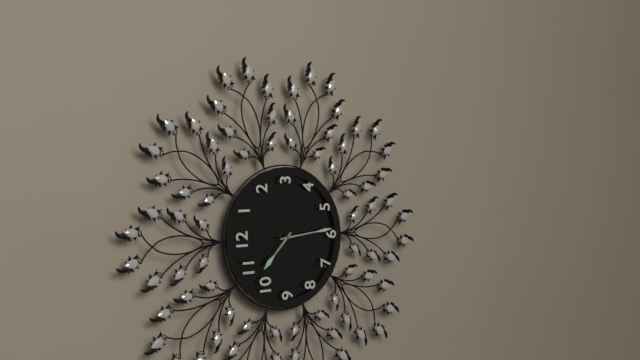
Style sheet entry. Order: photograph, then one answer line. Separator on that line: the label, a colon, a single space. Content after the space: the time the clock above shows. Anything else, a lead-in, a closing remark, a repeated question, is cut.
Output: 10:29
